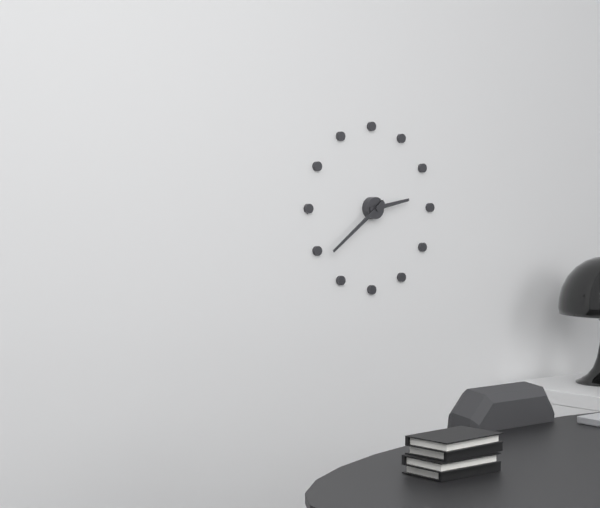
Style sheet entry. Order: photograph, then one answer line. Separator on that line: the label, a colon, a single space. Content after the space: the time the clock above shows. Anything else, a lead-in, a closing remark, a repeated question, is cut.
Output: 2:39
